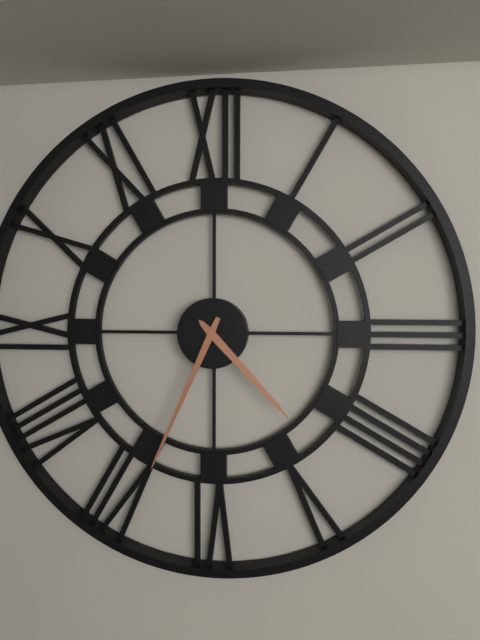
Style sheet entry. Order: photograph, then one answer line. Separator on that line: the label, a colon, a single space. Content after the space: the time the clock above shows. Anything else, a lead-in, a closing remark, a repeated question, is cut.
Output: 4:34
